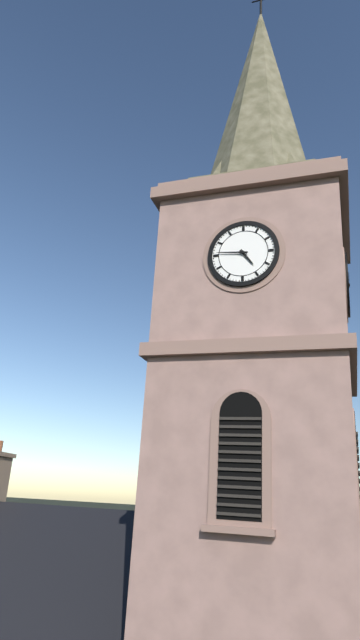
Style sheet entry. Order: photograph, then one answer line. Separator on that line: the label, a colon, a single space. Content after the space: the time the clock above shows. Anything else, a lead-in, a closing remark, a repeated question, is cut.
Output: 4:46
